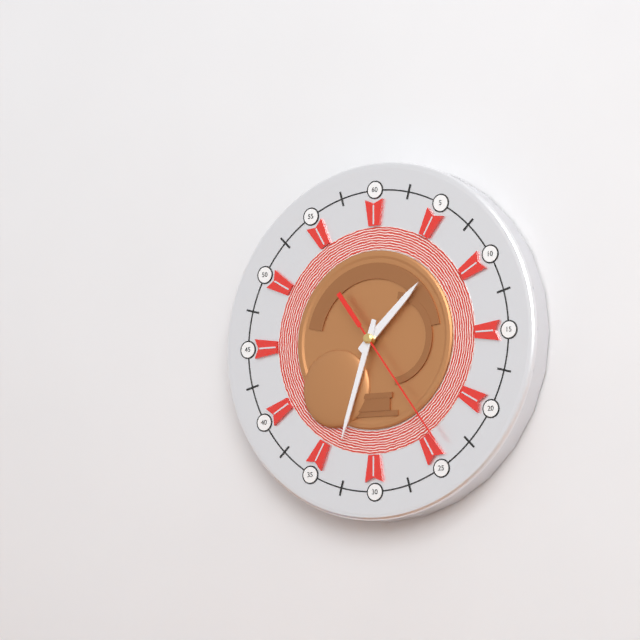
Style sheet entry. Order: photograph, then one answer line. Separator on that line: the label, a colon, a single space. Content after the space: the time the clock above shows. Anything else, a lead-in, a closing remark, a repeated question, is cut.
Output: 1:33:24
